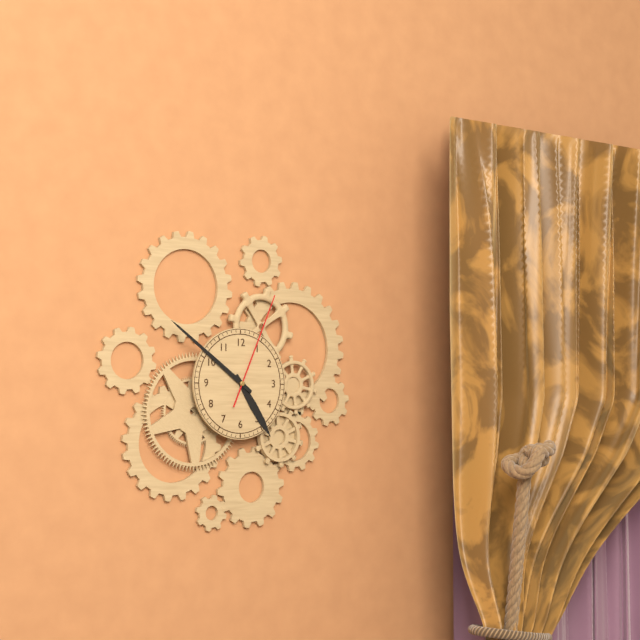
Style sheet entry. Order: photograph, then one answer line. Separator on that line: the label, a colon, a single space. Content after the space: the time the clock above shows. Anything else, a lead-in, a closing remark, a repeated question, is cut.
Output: 4:51:04
